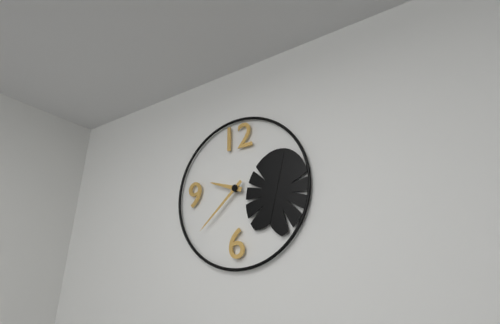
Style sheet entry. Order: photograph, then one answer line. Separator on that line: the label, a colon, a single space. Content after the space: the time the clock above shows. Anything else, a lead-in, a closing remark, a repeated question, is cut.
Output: 9:38
